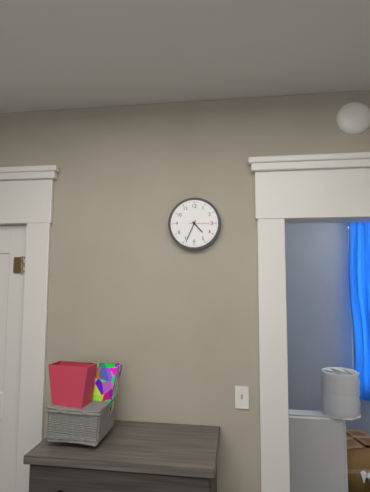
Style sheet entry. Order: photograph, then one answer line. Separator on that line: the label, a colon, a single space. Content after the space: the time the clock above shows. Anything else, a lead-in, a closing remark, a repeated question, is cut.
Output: 4:34
